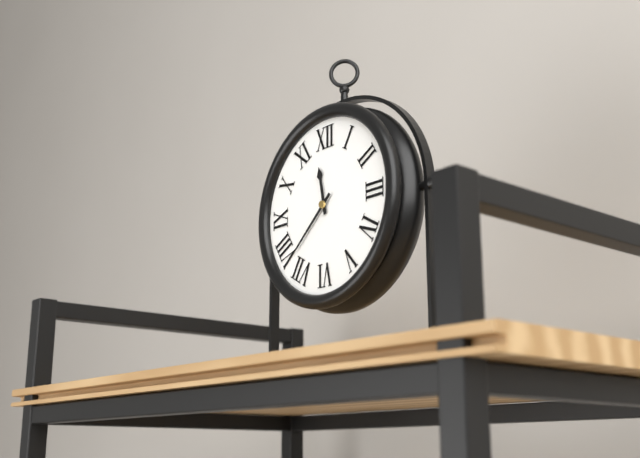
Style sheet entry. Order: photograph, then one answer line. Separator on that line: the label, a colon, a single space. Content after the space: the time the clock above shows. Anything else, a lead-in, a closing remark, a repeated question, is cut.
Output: 11:38
